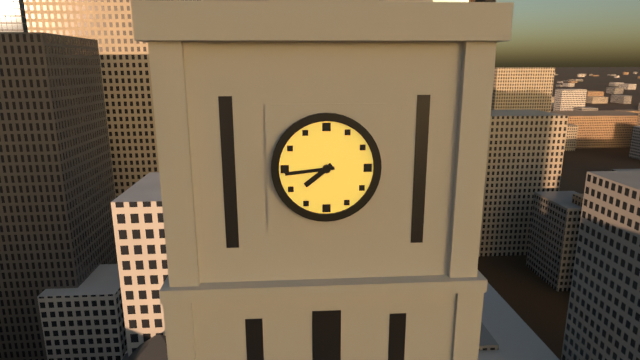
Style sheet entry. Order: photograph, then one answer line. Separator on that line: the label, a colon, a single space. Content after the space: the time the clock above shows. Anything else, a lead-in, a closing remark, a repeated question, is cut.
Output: 7:44
